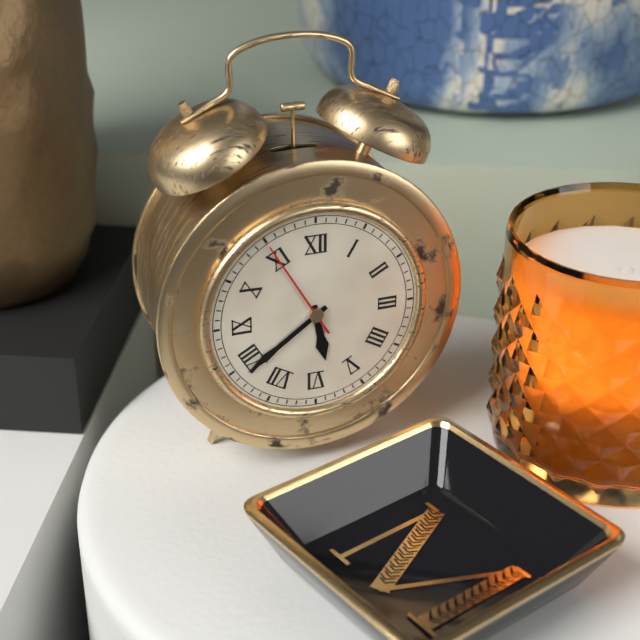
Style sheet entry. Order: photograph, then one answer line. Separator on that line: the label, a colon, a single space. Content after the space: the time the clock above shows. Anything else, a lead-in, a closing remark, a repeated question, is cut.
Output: 5:39:55
